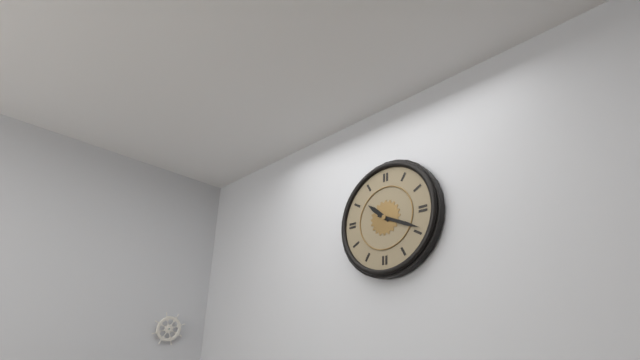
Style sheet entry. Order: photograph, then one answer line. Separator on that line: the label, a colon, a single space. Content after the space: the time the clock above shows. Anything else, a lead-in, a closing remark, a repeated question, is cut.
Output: 10:19
